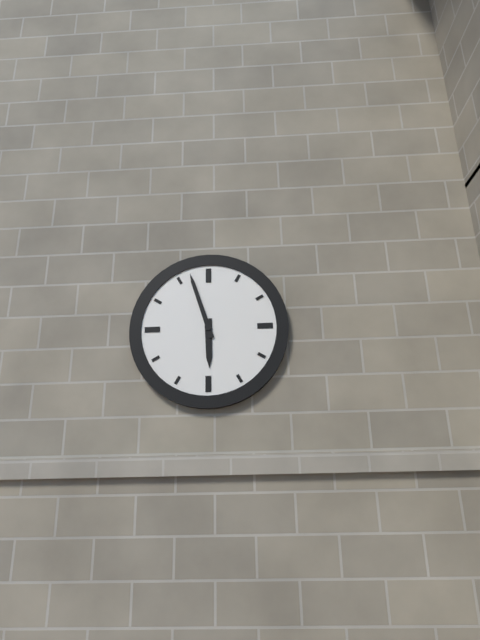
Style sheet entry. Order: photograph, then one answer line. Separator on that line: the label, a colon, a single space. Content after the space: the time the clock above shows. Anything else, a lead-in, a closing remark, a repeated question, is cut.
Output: 5:57
